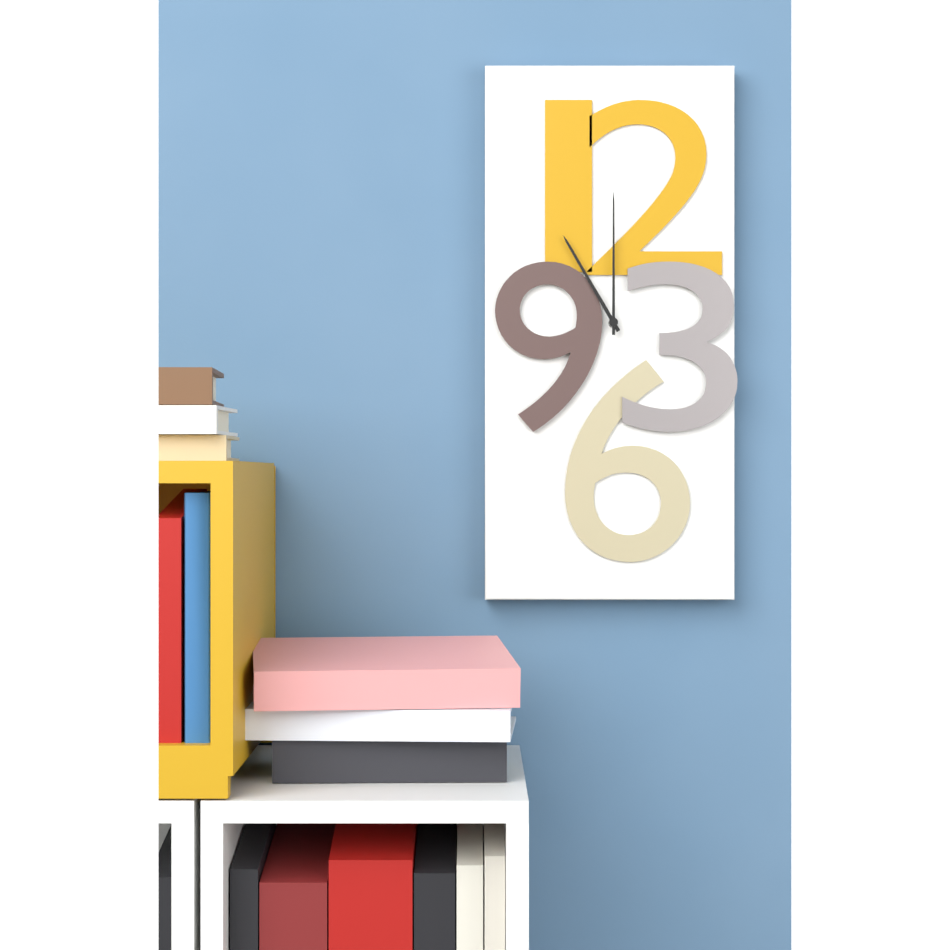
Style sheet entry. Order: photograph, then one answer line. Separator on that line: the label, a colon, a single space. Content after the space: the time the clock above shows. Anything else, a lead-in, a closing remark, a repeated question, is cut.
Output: 11:00
